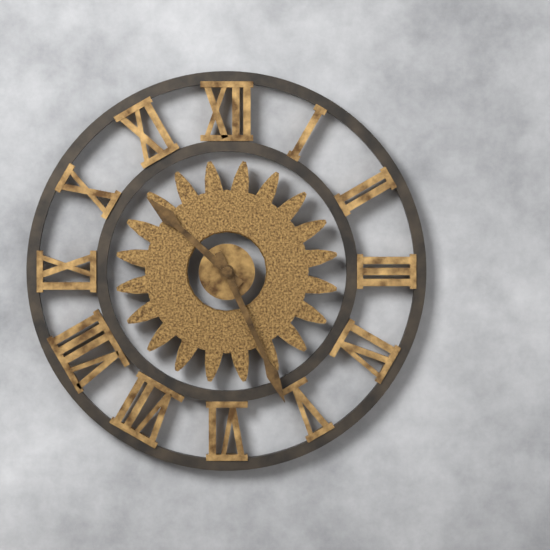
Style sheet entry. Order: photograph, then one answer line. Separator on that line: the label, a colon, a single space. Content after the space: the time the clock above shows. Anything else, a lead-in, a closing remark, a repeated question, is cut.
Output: 10:26
